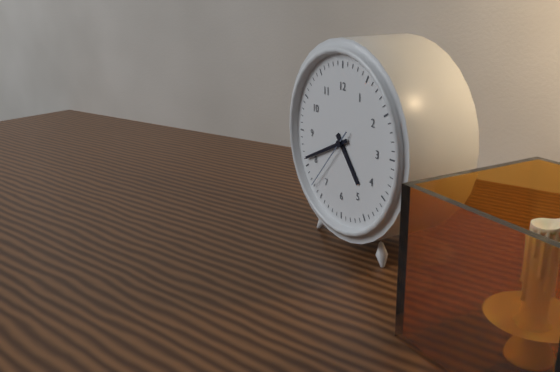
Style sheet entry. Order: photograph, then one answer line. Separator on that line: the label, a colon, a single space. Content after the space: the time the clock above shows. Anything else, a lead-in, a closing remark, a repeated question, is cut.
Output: 4:41:37
